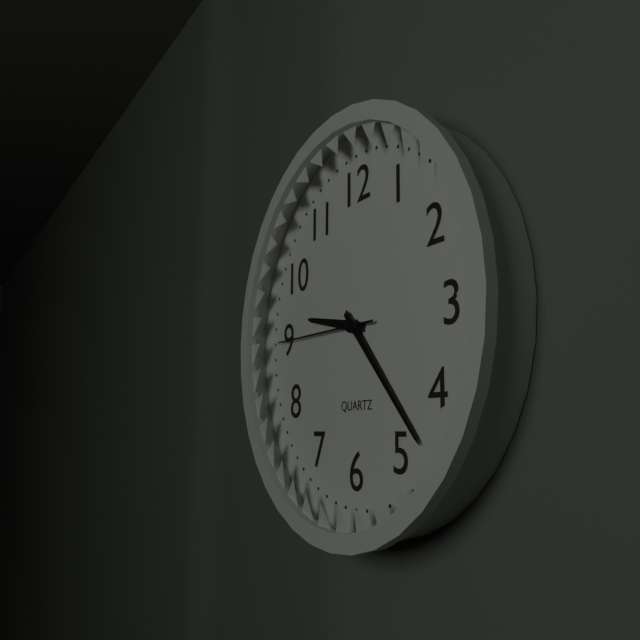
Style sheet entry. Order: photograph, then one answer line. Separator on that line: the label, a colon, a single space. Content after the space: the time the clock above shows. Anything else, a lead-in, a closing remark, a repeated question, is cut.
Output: 9:23:45
